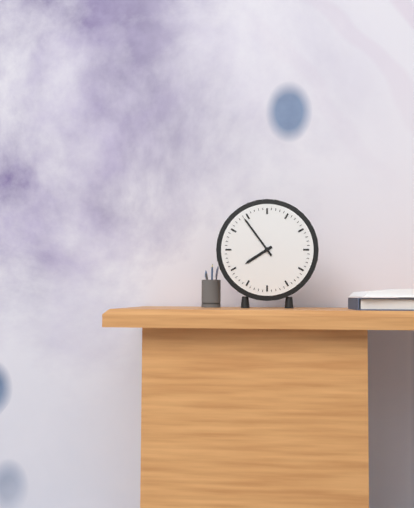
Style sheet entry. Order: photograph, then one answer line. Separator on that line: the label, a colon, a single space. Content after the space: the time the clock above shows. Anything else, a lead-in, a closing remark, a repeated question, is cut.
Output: 7:54
